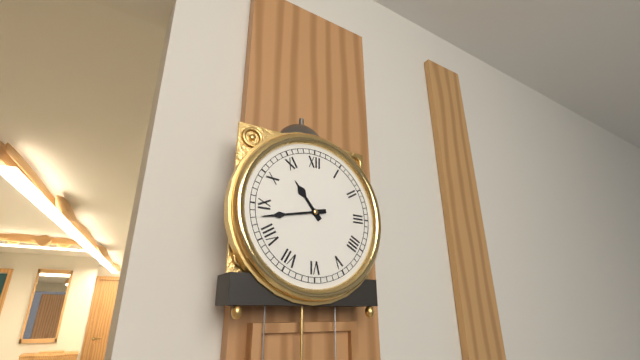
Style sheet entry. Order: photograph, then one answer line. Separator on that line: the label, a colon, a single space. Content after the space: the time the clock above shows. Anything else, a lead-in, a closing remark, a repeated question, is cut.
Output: 10:43
